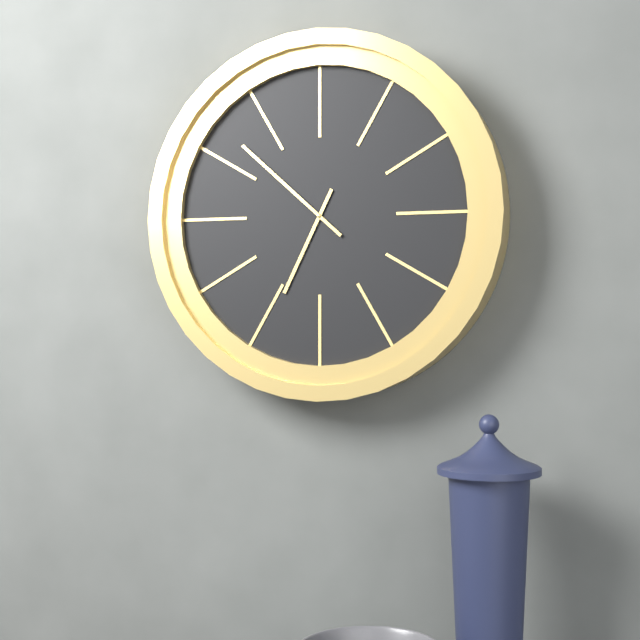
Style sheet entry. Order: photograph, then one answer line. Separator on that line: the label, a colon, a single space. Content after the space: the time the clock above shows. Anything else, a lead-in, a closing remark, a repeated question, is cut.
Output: 6:52
